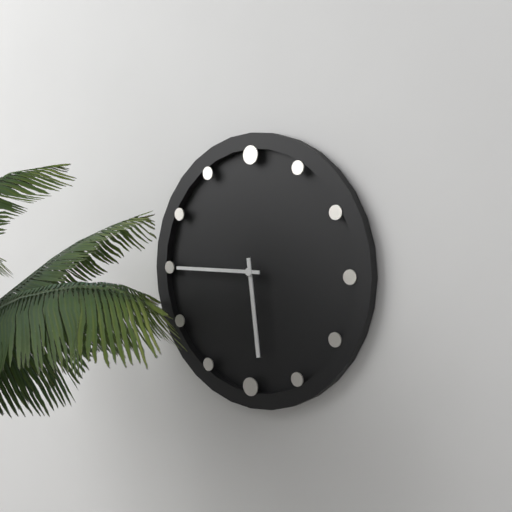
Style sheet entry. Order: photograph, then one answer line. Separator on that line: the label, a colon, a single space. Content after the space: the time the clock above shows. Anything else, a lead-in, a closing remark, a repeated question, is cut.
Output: 5:45
